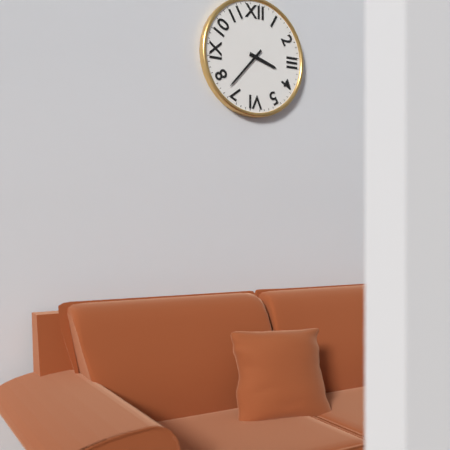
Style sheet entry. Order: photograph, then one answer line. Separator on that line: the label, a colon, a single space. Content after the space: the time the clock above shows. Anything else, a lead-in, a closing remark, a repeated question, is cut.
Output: 3:37
